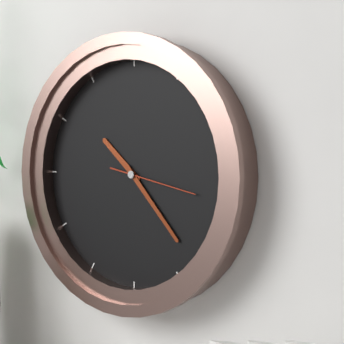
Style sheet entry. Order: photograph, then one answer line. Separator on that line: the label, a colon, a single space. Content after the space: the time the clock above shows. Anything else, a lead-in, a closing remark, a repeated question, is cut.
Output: 10:23:17
